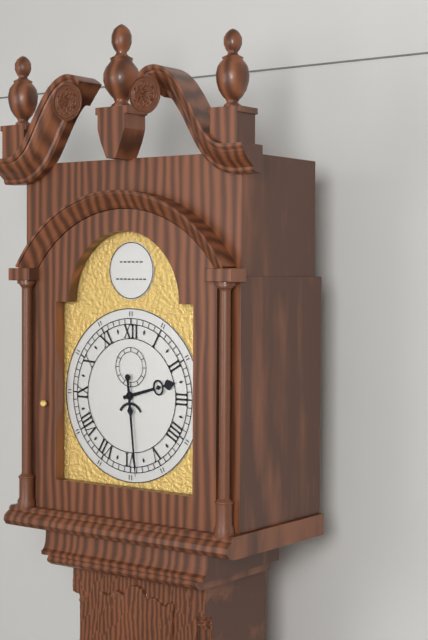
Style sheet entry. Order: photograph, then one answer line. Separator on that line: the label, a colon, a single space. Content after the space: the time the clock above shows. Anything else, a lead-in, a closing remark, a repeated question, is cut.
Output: 2:29
